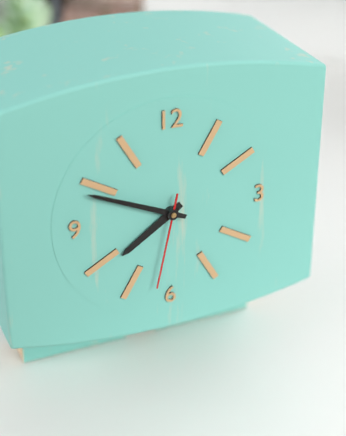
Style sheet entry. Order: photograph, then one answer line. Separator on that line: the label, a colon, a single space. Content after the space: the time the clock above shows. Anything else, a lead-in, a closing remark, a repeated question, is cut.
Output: 7:49:32
